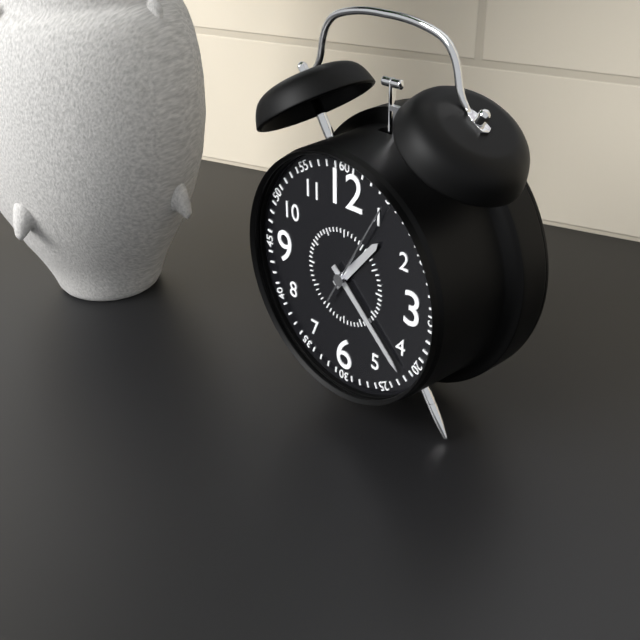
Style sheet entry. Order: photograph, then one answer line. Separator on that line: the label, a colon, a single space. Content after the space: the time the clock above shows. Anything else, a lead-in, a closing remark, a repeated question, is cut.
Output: 1:22:05
